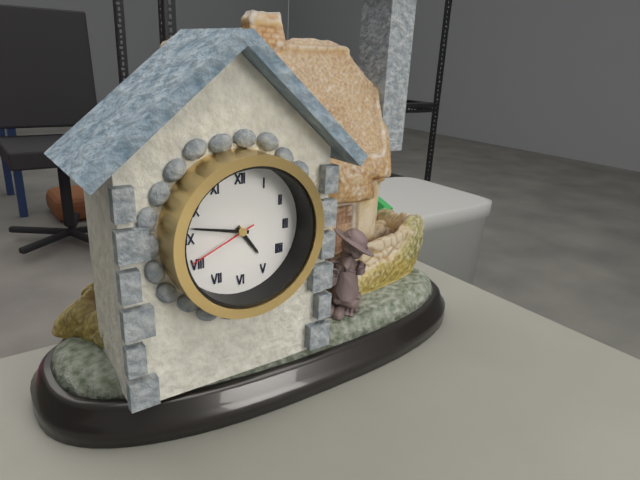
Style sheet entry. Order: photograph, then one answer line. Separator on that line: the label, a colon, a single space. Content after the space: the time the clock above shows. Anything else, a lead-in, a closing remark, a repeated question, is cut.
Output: 4:47:41
